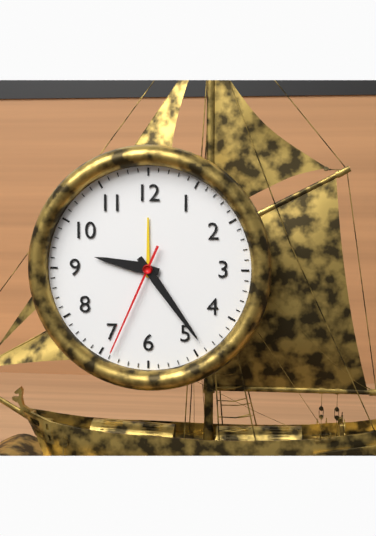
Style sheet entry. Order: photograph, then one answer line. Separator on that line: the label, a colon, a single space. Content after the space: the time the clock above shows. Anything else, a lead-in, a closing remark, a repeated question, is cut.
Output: 9:24:34
